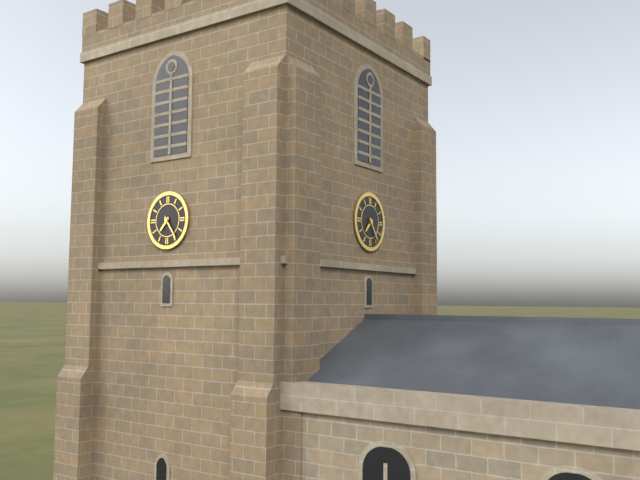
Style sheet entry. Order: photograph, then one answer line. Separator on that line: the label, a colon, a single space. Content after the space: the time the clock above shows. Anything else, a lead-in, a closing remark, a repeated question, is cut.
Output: 7:24
